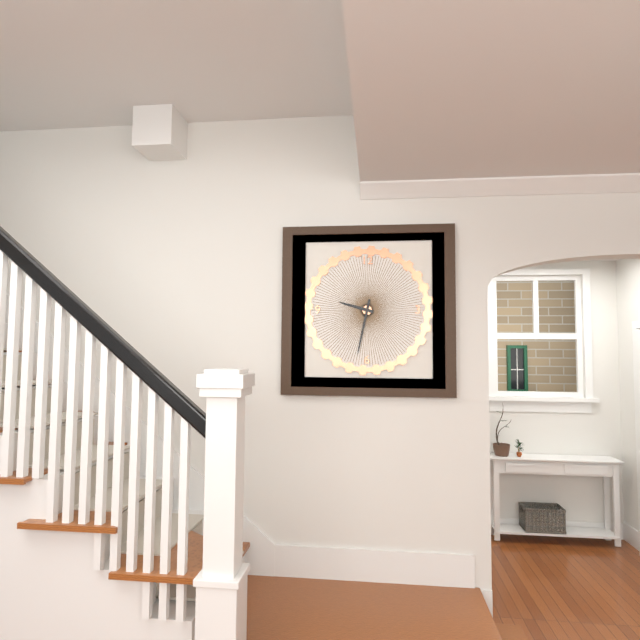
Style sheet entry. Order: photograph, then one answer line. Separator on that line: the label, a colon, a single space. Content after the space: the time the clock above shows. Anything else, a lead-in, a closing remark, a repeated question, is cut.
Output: 9:32
